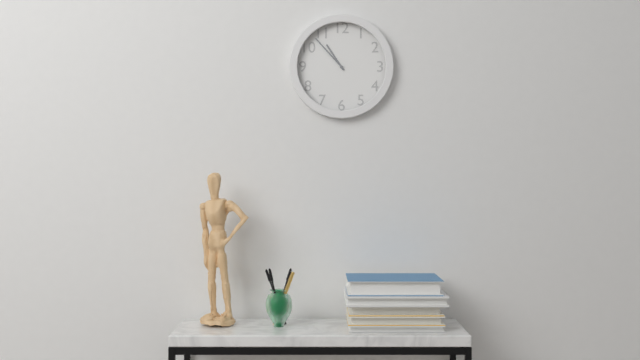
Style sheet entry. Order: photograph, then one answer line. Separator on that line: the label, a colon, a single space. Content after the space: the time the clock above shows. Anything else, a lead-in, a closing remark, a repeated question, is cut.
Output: 10:53
